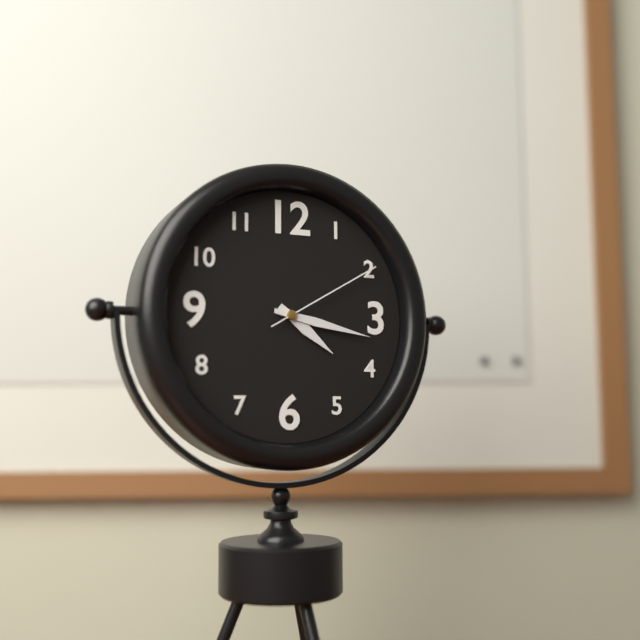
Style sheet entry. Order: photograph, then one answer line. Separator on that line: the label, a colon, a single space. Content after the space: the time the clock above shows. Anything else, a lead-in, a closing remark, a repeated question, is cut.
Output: 4:17:10
